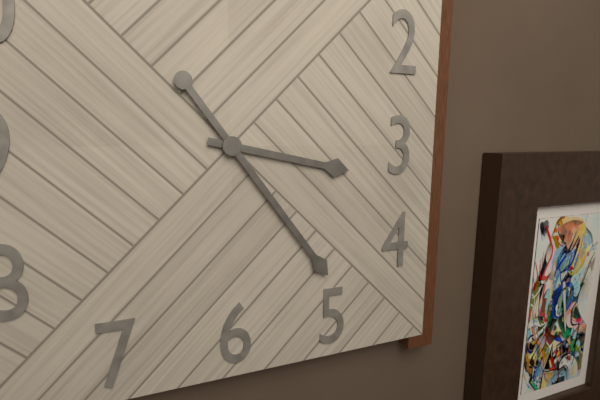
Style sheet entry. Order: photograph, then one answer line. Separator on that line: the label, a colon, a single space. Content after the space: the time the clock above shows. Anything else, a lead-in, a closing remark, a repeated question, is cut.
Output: 3:24
